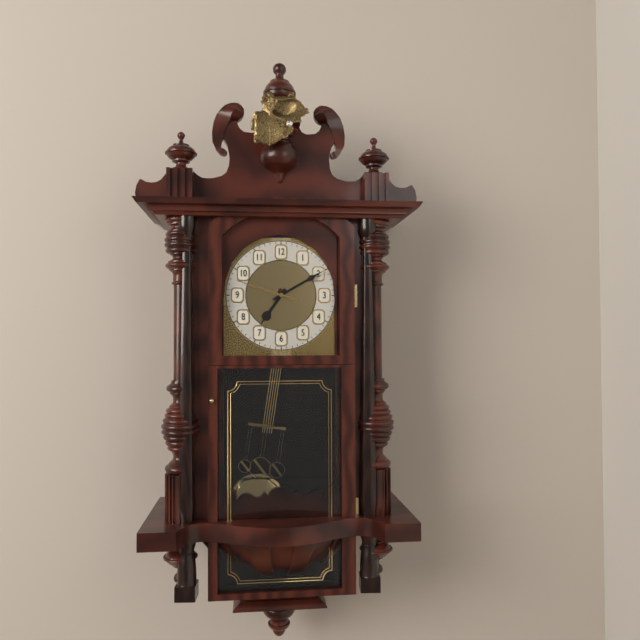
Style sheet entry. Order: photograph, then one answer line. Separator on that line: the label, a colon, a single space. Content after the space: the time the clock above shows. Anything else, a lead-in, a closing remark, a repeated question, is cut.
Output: 7:10:48
